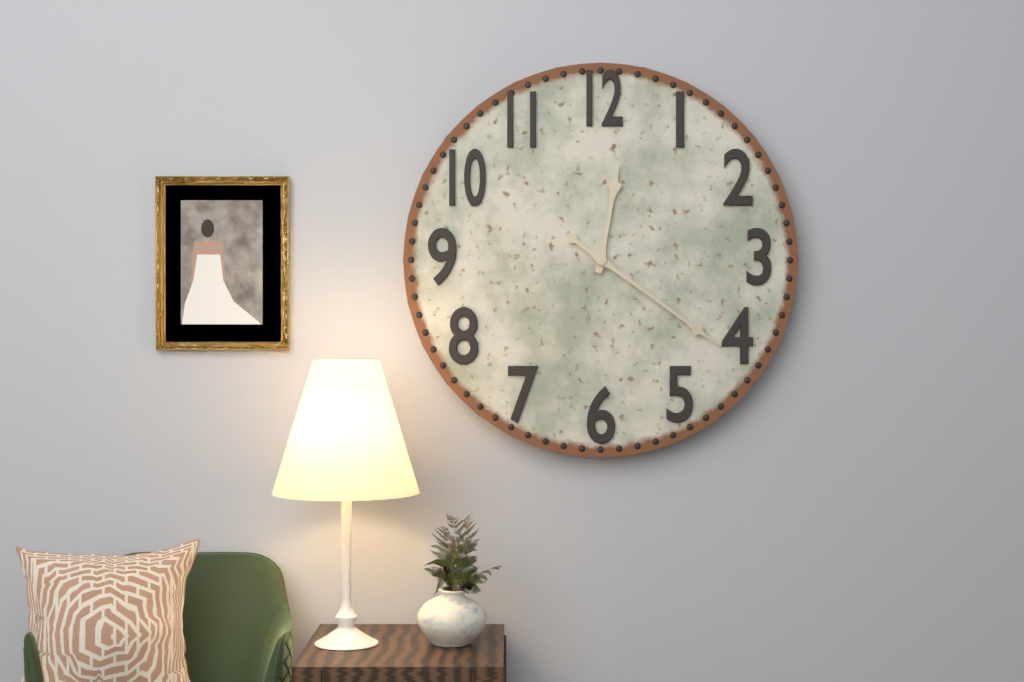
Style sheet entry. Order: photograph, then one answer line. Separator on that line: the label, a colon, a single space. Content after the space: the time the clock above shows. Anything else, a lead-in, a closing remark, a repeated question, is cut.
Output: 12:21
